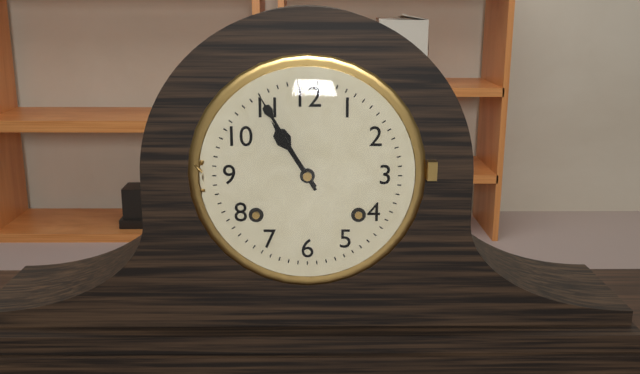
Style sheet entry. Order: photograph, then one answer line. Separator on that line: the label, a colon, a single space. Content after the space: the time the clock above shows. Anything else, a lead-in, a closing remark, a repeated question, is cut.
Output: 10:55
